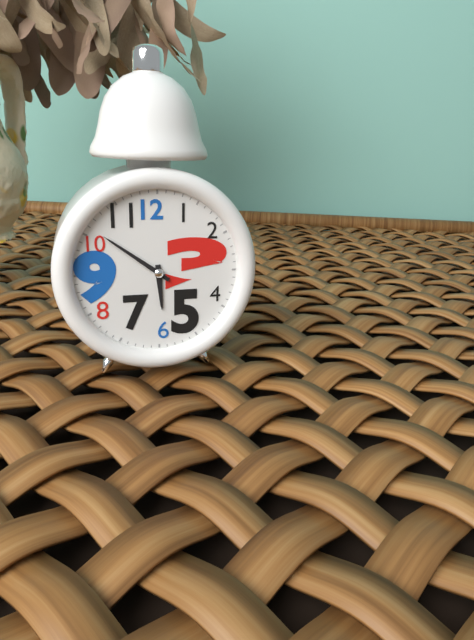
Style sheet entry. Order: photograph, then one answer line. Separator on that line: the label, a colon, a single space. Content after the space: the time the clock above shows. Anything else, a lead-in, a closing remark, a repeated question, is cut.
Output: 5:51
